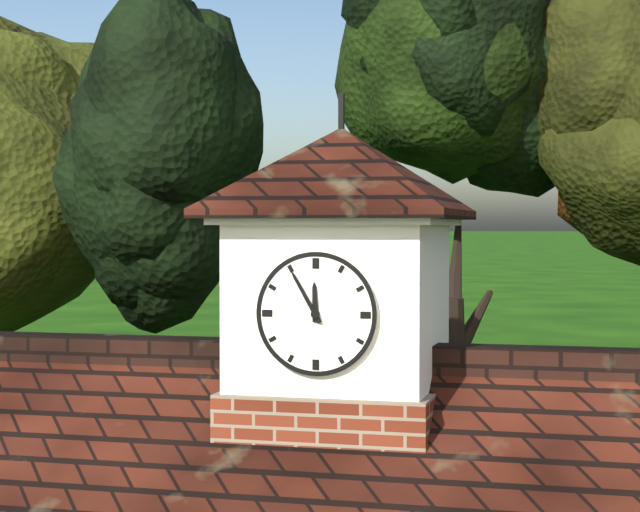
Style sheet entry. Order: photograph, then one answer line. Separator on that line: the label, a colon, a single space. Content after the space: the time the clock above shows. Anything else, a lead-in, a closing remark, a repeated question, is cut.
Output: 11:55
